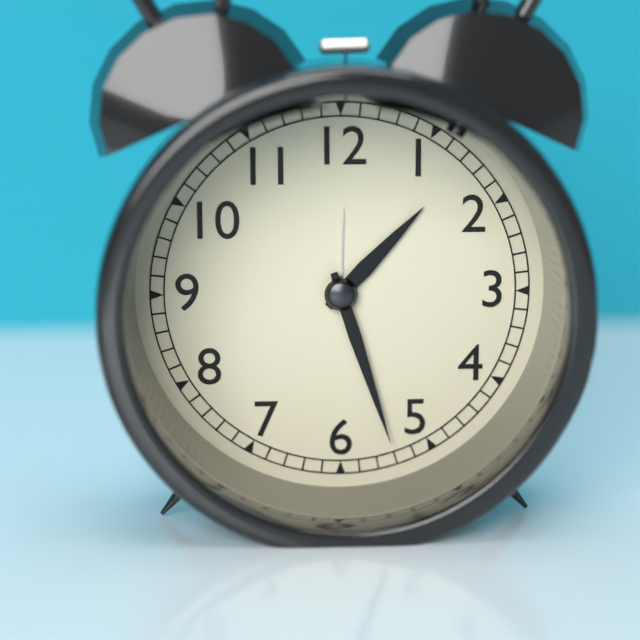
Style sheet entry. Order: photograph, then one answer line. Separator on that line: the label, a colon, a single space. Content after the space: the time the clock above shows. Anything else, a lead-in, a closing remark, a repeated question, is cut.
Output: 1:27
